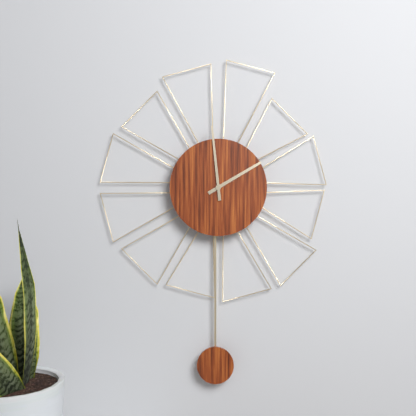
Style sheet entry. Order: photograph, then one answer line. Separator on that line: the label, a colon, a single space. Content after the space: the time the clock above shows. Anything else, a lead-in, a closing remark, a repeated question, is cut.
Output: 1:59
